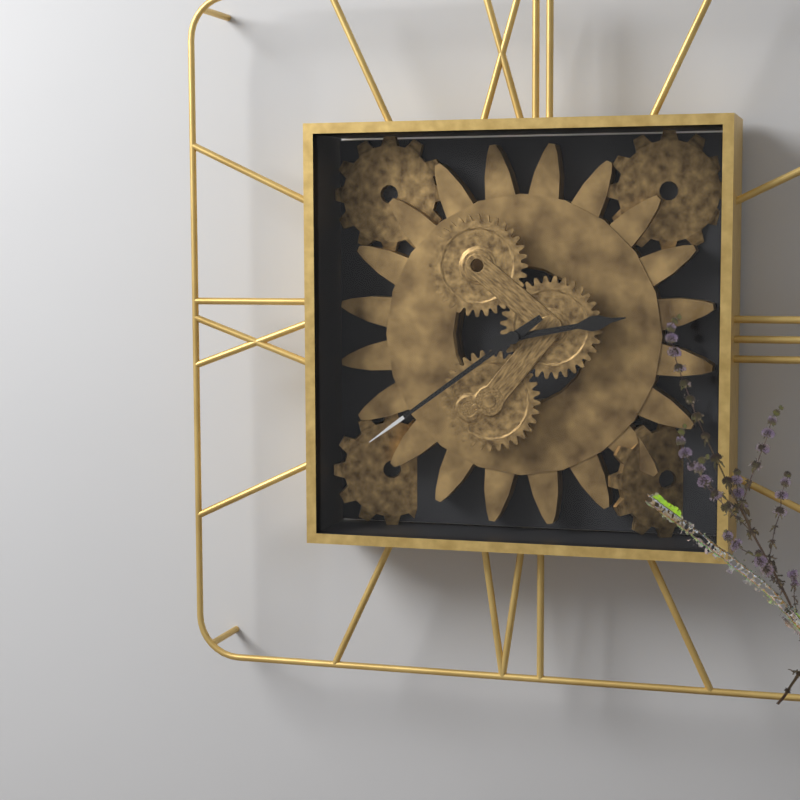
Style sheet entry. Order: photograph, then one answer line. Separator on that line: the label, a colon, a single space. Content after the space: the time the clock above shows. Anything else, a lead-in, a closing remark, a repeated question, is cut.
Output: 2:39
